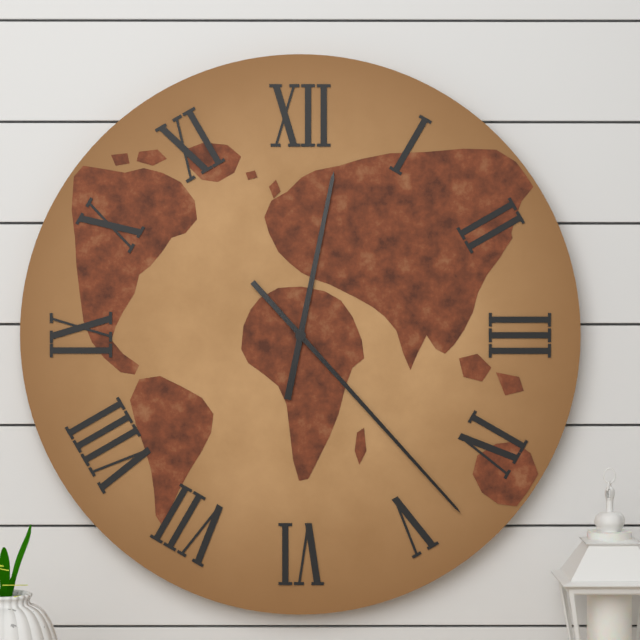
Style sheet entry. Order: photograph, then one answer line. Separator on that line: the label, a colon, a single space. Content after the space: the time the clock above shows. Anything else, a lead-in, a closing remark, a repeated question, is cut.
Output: 12:23
